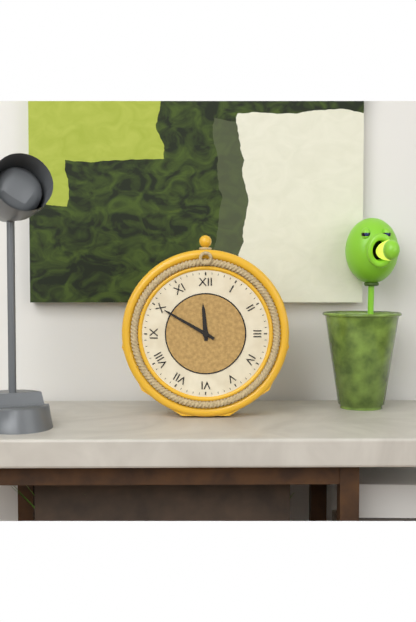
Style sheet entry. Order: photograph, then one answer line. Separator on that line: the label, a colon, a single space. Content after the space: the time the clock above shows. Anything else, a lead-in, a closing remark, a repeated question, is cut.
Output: 11:50
